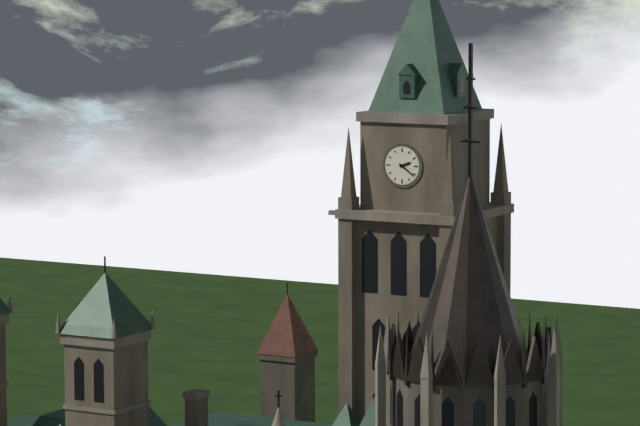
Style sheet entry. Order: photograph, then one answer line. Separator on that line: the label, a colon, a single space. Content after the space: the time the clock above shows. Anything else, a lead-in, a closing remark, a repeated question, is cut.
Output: 2:21
